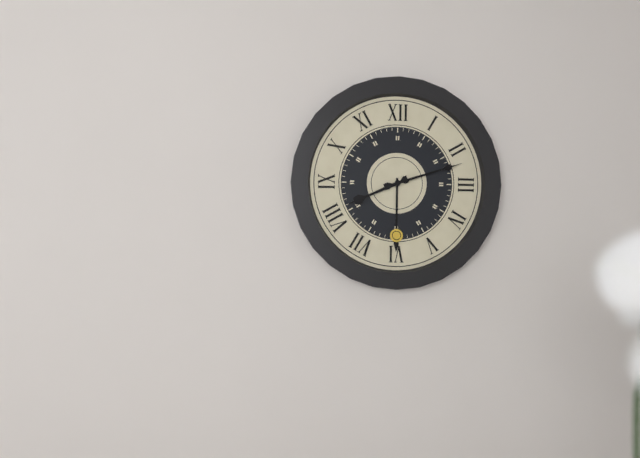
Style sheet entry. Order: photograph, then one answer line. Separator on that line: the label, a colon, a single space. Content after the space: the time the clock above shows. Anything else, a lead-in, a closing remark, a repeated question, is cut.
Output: 8:12
